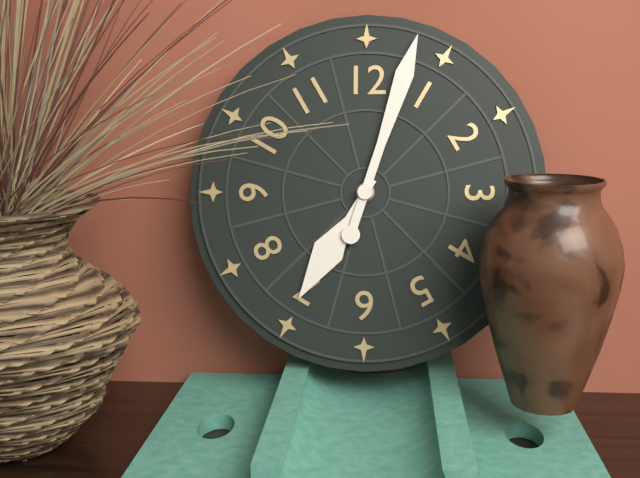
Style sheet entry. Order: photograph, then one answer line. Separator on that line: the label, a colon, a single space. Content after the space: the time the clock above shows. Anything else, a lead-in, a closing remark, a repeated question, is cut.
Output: 7:03
